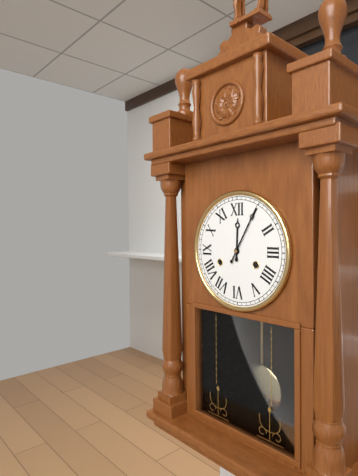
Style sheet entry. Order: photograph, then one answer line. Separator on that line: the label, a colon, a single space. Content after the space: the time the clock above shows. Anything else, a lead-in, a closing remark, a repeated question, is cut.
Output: 12:05
